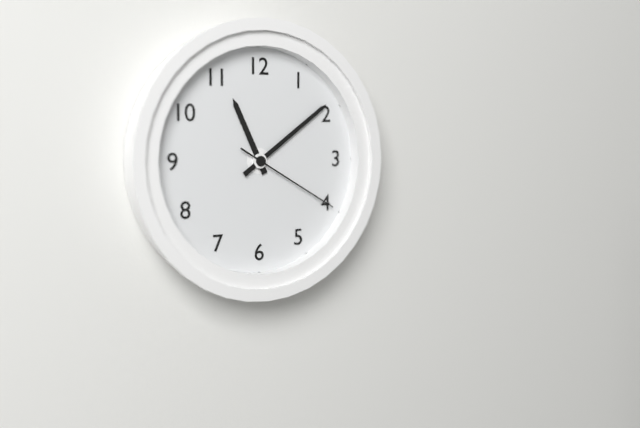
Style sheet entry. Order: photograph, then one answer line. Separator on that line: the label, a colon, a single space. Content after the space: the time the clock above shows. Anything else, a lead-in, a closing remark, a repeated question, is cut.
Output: 11:09:20
